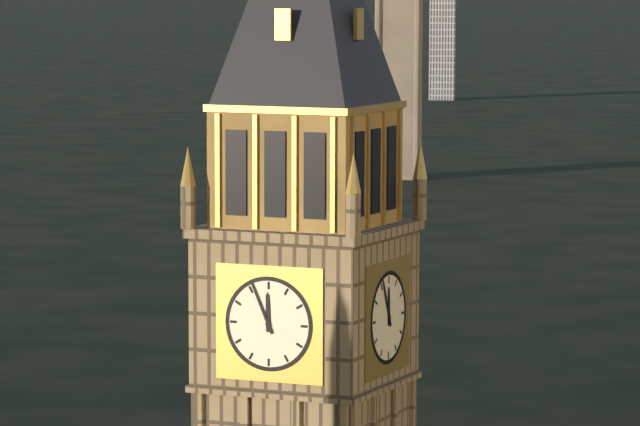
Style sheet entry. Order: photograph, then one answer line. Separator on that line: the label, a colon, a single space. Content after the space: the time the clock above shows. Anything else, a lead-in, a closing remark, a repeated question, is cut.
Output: 11:56
